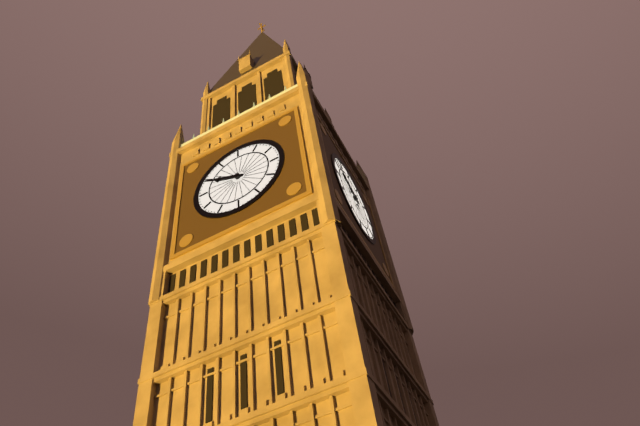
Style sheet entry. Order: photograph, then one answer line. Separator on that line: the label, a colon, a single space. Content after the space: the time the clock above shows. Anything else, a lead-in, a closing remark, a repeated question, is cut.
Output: 9:49
